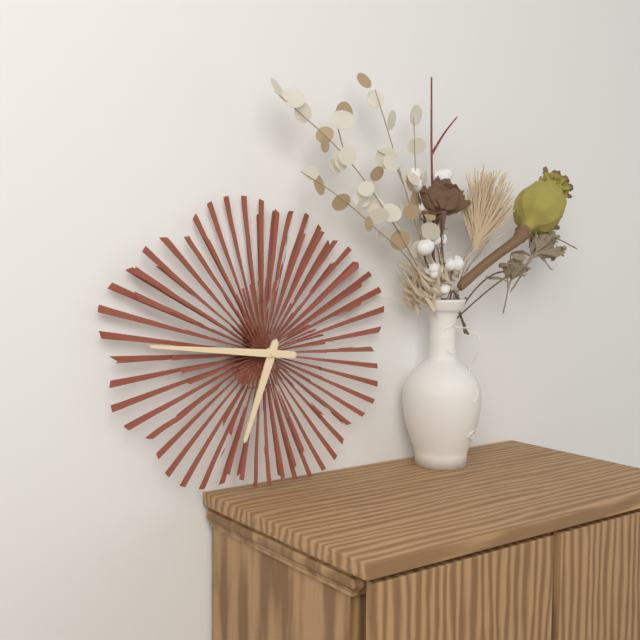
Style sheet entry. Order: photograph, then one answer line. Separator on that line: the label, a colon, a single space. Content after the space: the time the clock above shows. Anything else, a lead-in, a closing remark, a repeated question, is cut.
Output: 6:46
